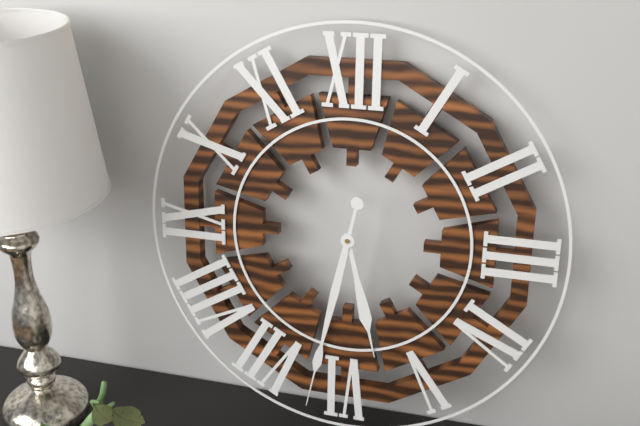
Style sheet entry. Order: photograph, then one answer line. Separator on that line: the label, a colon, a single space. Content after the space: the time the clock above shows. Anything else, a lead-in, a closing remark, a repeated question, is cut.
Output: 5:32
